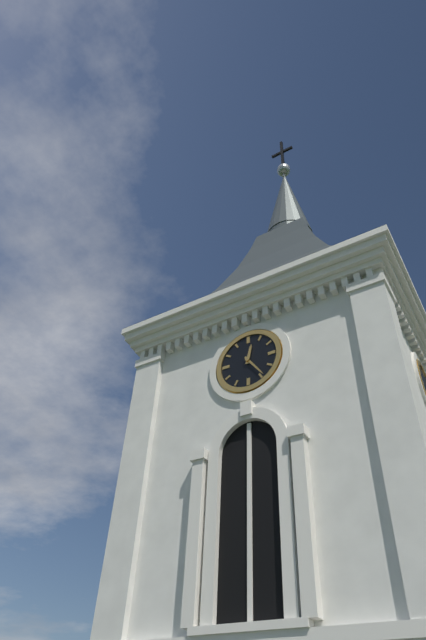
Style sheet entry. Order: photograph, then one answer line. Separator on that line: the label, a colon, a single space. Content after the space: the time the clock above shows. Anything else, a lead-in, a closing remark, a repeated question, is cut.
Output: 12:24
